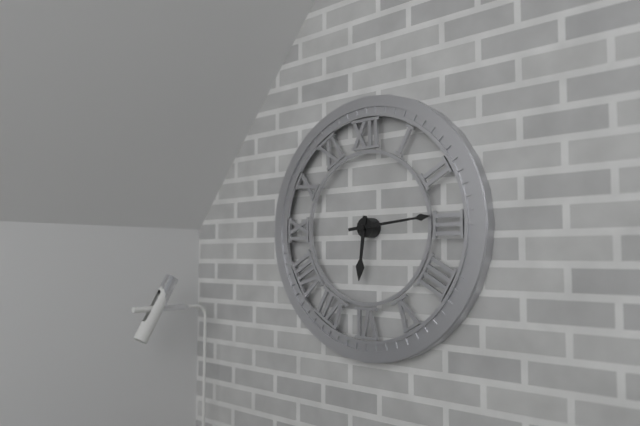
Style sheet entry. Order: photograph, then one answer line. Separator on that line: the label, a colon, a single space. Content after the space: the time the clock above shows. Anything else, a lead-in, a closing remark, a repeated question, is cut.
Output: 6:14
